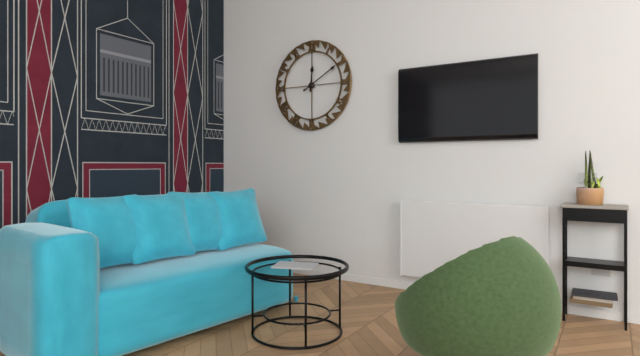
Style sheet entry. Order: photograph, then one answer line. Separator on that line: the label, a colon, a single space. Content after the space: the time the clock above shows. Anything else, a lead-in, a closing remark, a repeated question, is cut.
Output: 12:10
